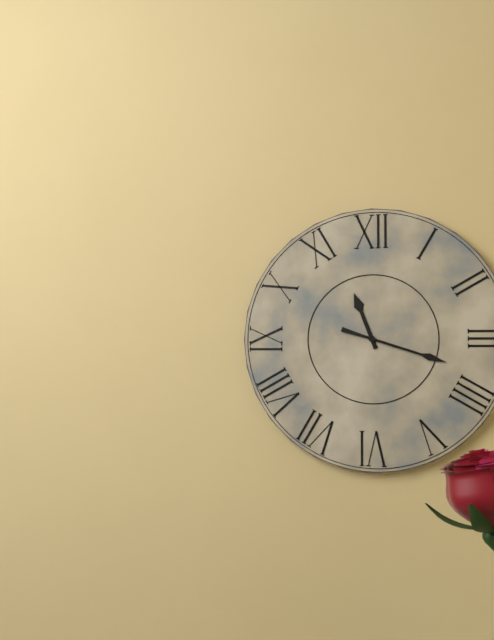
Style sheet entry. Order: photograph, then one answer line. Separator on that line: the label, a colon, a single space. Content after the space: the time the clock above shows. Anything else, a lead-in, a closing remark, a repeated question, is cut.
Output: 11:18
